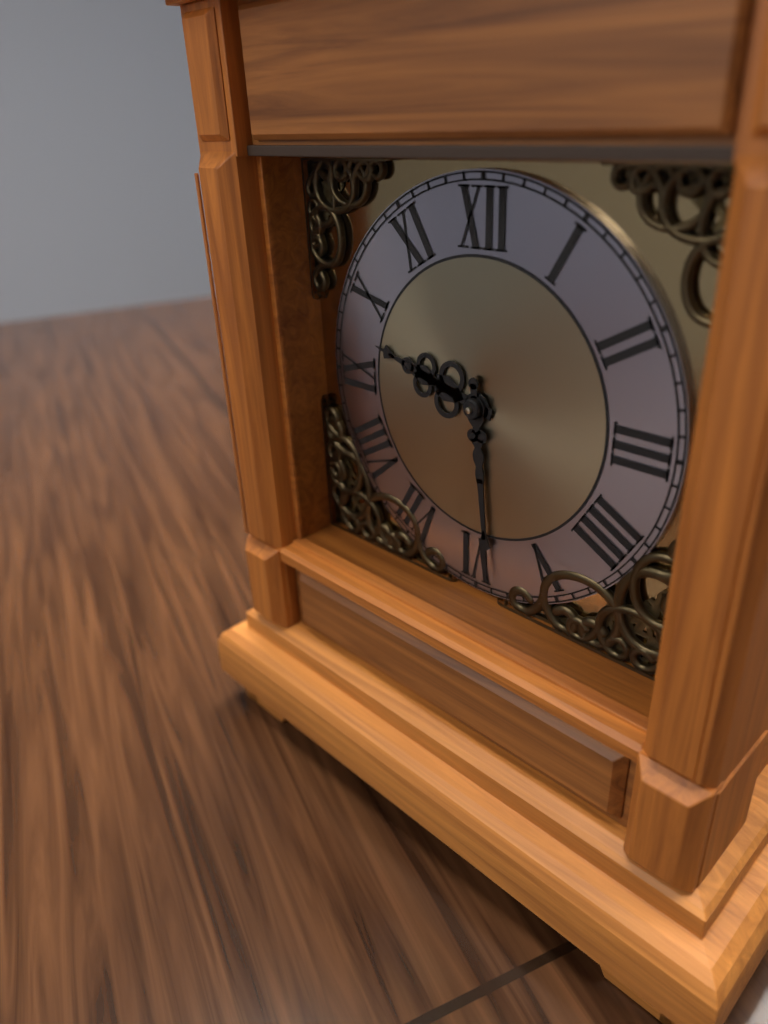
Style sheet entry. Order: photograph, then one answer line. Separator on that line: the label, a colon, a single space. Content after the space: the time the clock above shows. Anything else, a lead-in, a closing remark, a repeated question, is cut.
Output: 9:29
